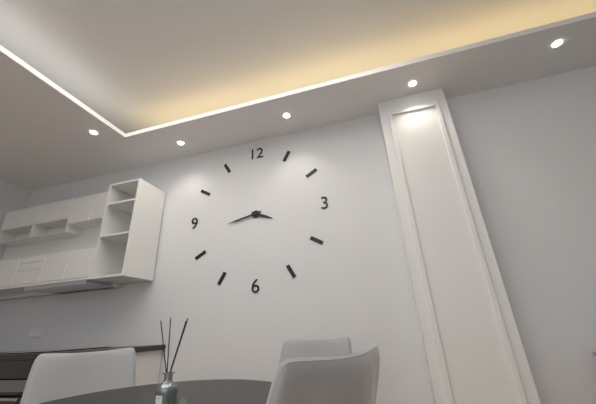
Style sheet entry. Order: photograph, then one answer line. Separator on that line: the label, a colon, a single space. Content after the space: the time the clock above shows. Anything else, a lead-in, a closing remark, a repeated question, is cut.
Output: 3:43
